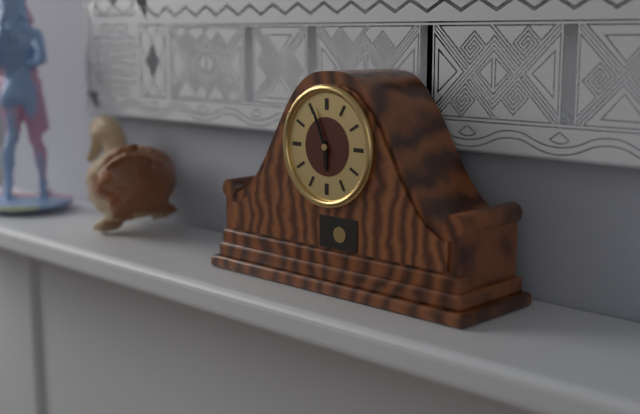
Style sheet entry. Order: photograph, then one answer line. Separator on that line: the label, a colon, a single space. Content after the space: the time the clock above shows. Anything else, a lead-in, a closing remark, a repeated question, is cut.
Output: 5:56
